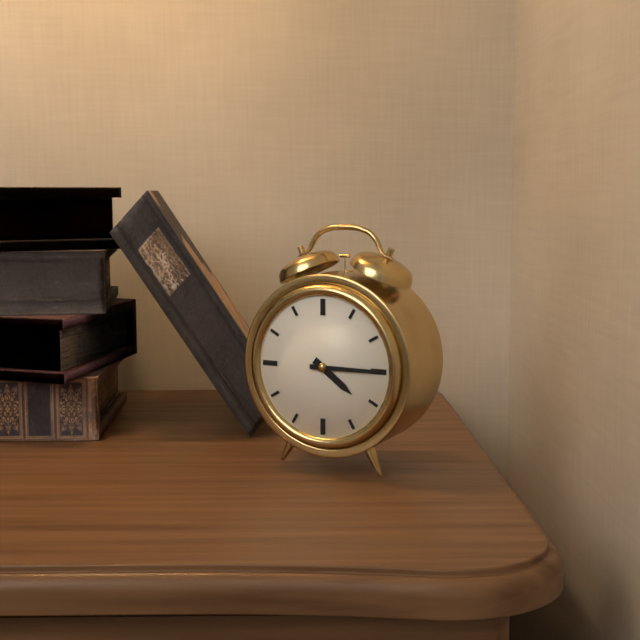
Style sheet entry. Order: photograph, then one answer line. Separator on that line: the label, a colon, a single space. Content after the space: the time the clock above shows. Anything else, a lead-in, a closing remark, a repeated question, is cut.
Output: 4:15
